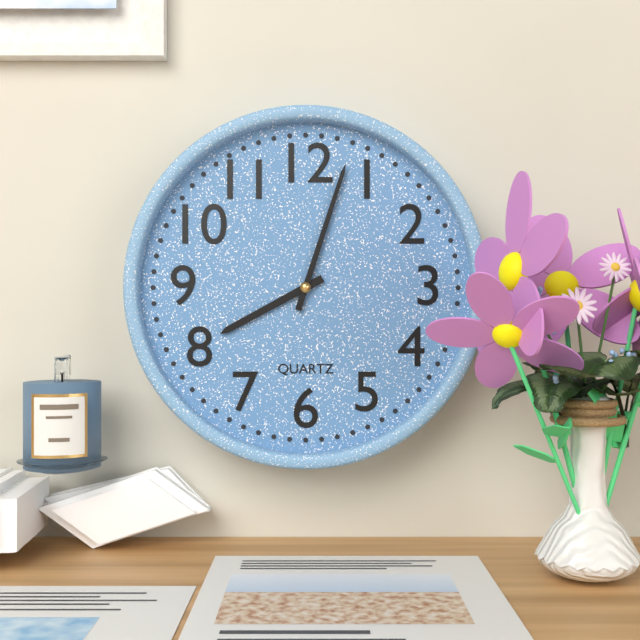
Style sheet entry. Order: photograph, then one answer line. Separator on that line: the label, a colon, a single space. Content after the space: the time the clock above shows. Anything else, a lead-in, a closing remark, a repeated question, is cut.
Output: 8:03
